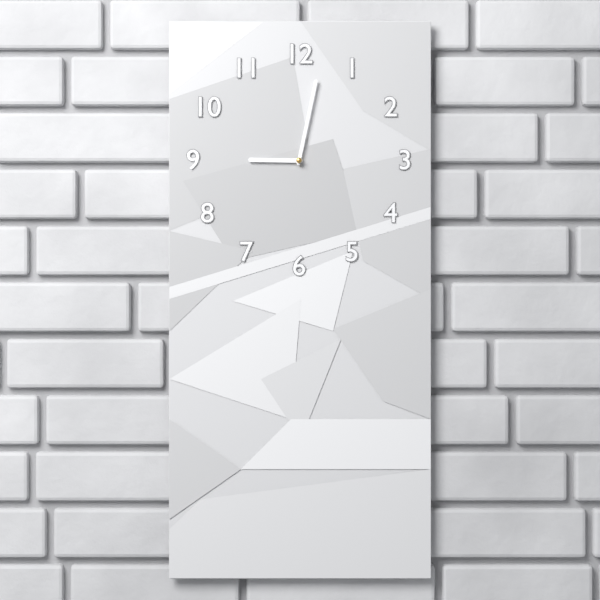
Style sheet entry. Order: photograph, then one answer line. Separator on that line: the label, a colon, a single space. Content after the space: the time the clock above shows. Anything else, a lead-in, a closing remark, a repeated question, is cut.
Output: 9:02
